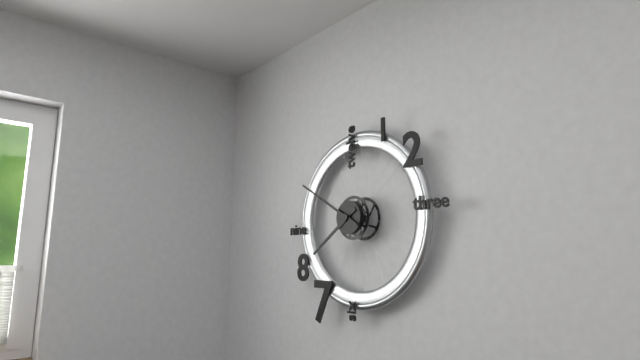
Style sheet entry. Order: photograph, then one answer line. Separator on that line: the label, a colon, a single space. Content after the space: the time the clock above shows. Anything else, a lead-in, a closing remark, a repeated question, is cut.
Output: 7:50
